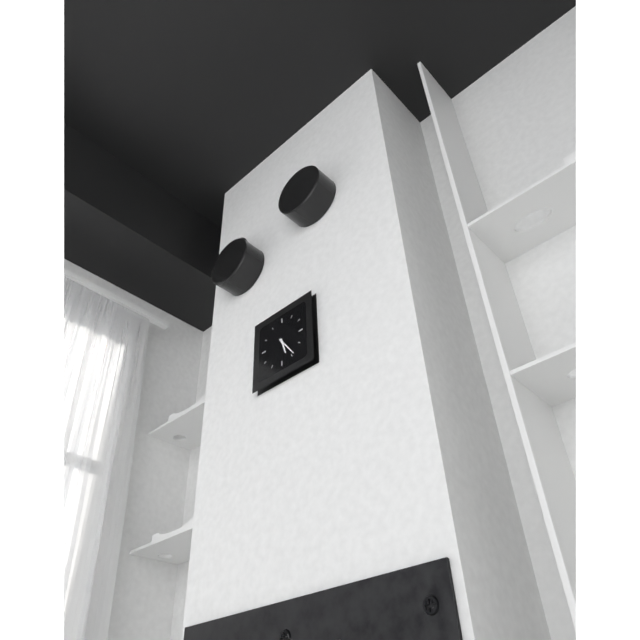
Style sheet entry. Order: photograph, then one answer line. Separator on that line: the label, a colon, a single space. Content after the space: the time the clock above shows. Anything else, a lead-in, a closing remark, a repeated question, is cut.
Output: 5:24
